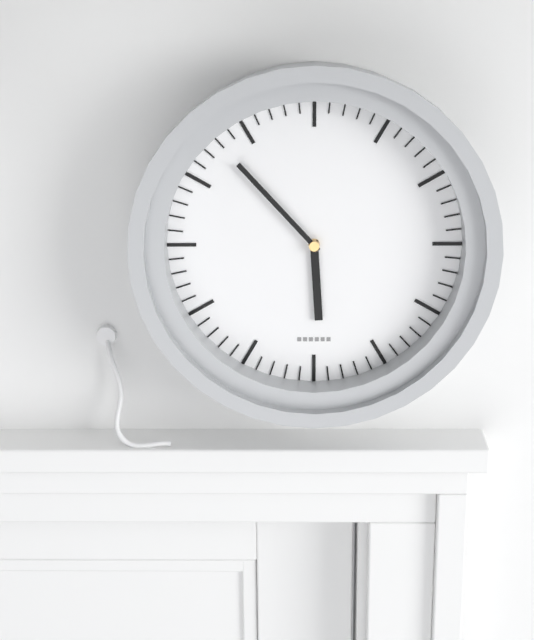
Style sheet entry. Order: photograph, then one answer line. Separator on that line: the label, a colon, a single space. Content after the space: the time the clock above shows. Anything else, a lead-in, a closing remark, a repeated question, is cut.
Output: 5:53
